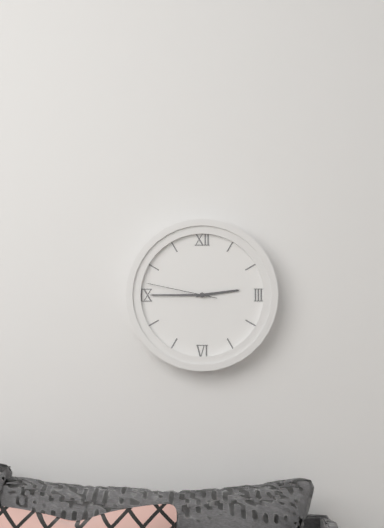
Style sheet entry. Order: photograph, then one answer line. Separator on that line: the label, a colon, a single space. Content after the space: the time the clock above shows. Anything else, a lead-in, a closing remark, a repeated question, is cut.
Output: 2:45:47
